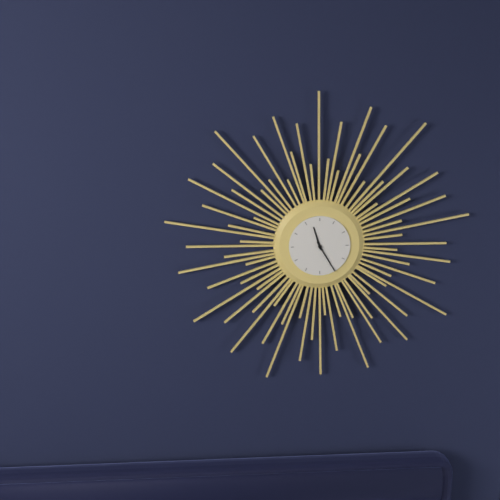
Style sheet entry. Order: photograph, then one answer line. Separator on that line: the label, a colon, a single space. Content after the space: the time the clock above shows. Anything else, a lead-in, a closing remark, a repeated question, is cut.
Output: 11:25
